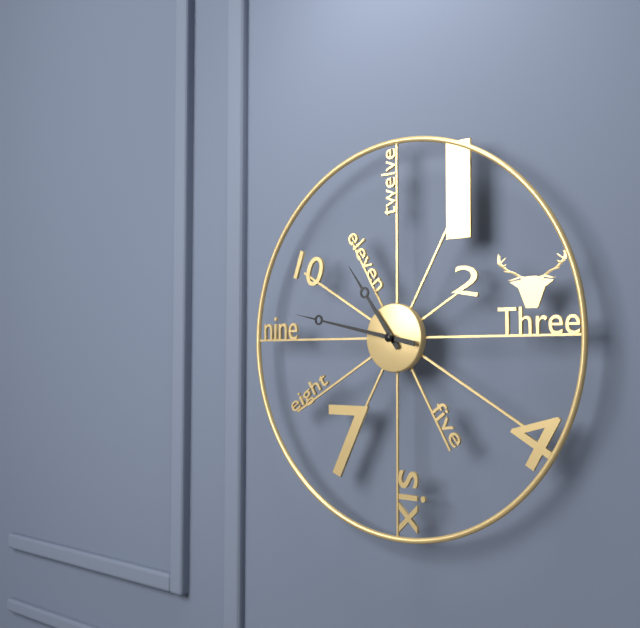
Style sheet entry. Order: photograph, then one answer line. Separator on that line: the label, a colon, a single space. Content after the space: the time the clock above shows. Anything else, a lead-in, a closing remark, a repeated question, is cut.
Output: 10:47
